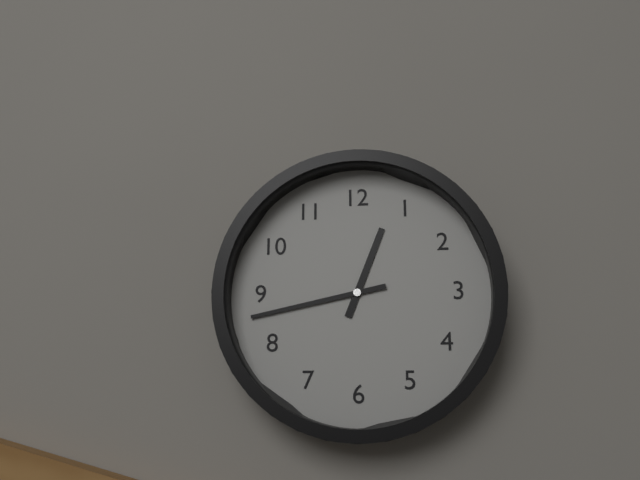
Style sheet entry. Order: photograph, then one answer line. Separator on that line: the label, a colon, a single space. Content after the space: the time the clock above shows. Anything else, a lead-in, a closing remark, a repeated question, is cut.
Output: 12:43
